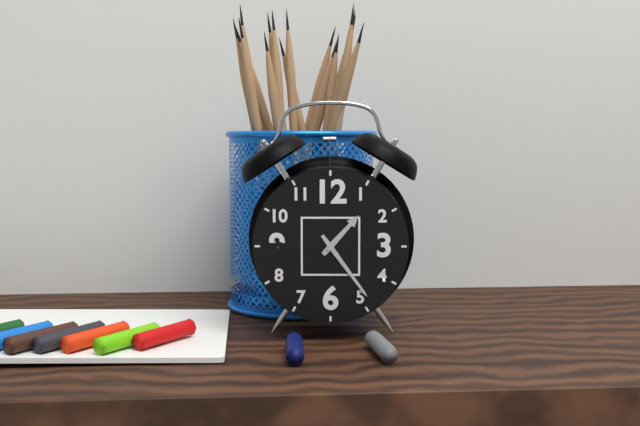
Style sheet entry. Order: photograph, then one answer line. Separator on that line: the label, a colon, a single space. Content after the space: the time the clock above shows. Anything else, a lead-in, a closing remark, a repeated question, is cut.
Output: 1:24
